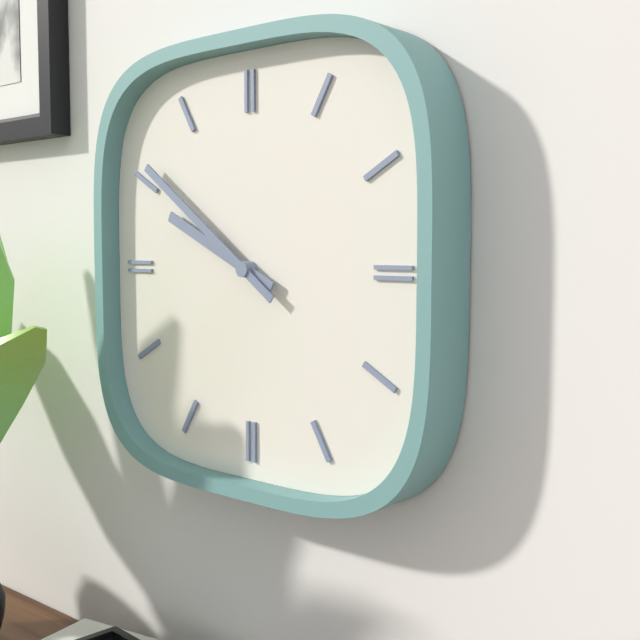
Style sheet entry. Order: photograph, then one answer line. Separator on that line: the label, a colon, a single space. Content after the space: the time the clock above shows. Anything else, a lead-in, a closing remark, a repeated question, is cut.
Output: 9:51
